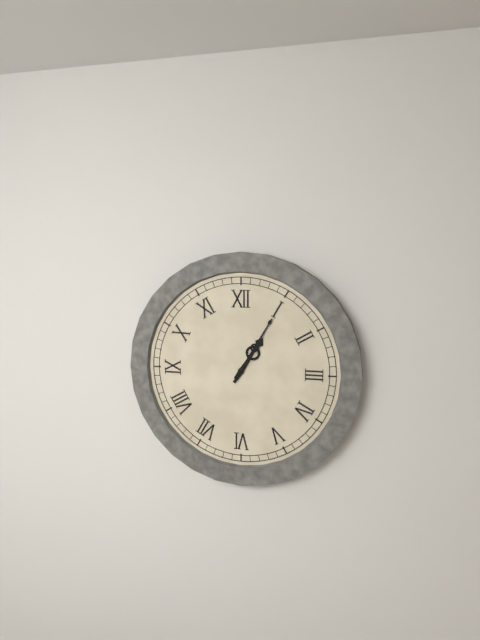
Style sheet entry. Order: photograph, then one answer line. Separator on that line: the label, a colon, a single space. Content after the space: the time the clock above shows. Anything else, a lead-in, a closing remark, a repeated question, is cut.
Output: 1:05
